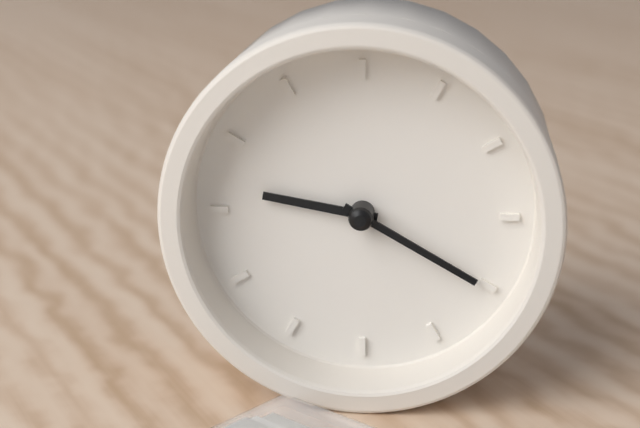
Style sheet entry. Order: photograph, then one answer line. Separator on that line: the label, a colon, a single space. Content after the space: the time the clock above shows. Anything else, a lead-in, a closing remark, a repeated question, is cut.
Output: 9:20
